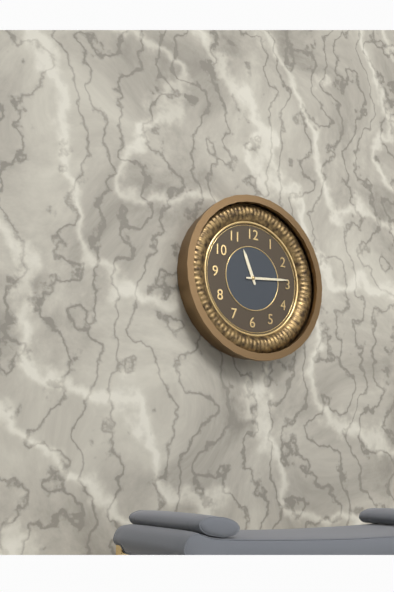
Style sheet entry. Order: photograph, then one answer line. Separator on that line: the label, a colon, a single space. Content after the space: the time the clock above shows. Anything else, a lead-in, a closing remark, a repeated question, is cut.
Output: 11:14
